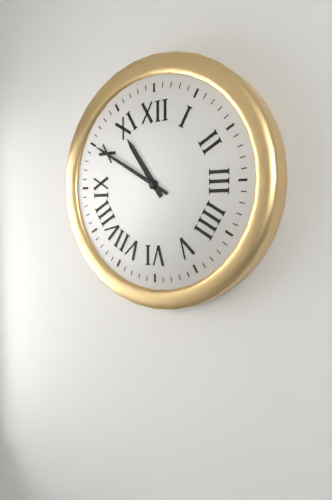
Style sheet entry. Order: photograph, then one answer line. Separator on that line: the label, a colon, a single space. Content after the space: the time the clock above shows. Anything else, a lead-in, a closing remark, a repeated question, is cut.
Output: 10:50
